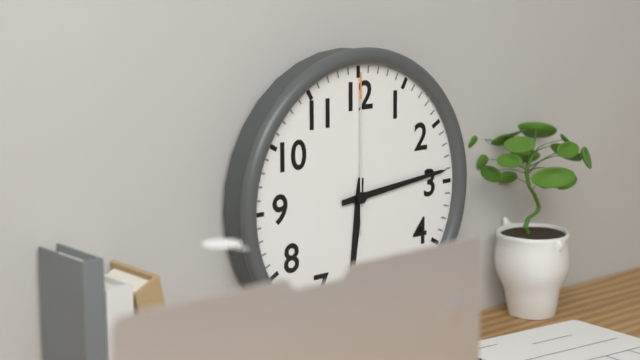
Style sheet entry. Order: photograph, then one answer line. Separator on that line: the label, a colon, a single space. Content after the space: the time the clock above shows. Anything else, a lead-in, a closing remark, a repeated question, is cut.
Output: 6:14:00
